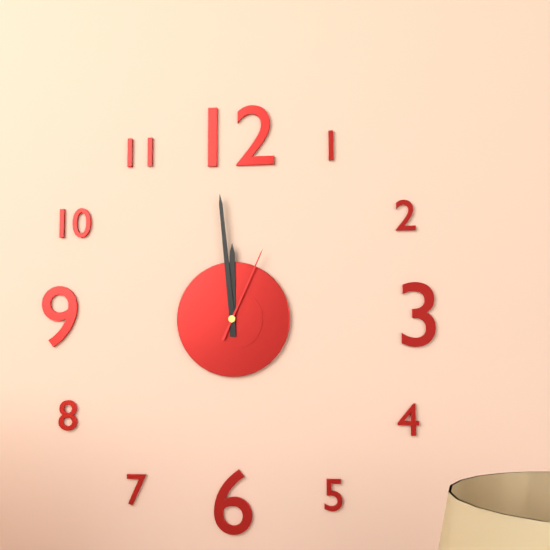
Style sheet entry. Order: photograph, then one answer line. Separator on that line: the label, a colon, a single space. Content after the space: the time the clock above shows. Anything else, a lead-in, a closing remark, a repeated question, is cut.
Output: 11:59:04
